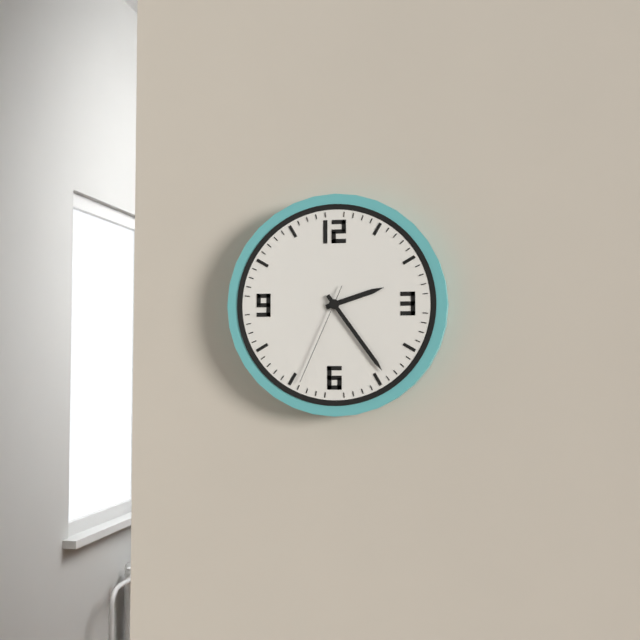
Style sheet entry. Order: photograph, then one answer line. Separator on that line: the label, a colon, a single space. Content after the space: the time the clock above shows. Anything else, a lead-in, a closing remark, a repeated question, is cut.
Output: 2:24:34
